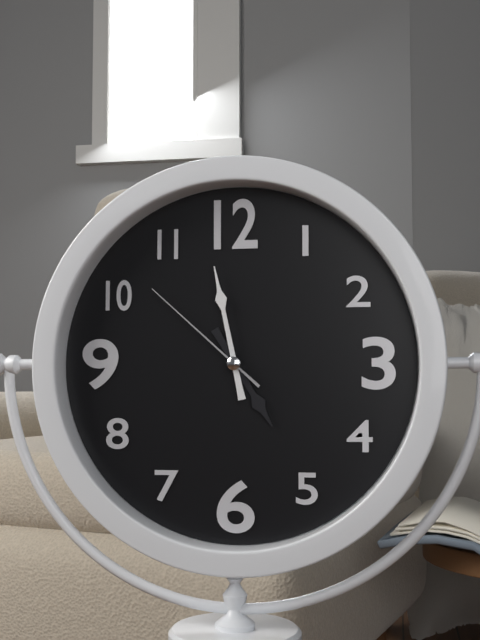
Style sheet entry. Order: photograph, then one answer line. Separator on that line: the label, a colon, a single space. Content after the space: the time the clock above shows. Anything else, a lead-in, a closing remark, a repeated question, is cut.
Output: 4:58:52
